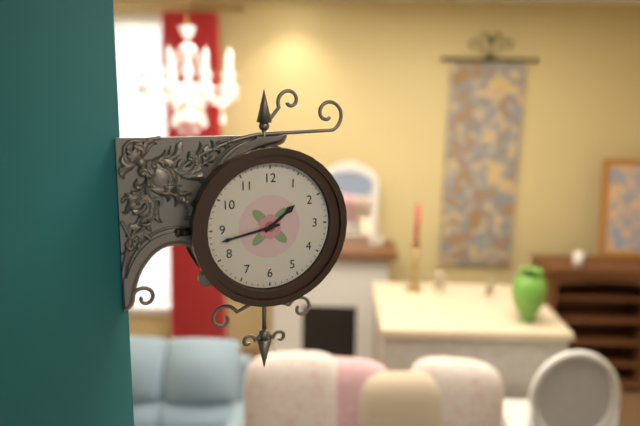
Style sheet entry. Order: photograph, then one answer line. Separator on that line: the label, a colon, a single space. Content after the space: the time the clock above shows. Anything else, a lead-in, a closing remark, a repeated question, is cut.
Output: 1:43
